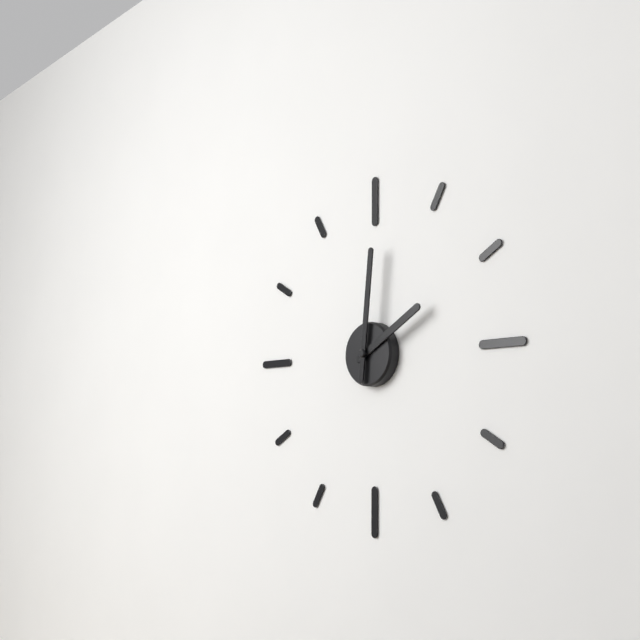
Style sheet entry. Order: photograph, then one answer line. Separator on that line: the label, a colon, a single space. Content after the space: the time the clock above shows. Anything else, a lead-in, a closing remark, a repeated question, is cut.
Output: 2:01
